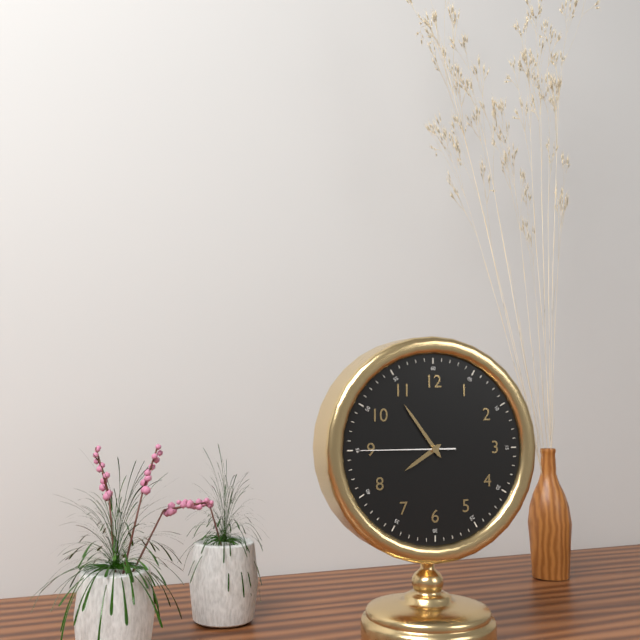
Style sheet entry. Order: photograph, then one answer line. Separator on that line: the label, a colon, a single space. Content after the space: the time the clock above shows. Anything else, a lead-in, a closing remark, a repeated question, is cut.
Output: 7:54:45
